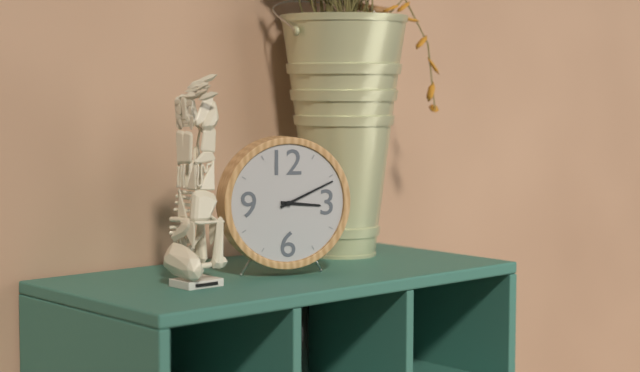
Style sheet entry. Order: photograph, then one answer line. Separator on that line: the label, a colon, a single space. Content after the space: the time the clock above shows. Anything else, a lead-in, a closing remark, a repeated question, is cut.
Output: 3:11
